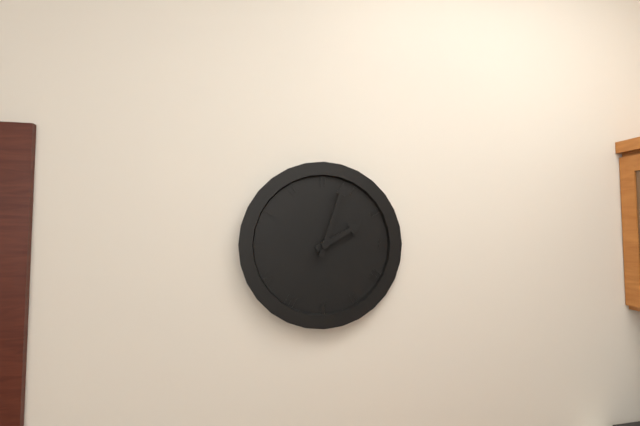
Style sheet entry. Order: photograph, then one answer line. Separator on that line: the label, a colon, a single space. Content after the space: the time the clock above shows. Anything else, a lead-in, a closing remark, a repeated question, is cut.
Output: 2:03
